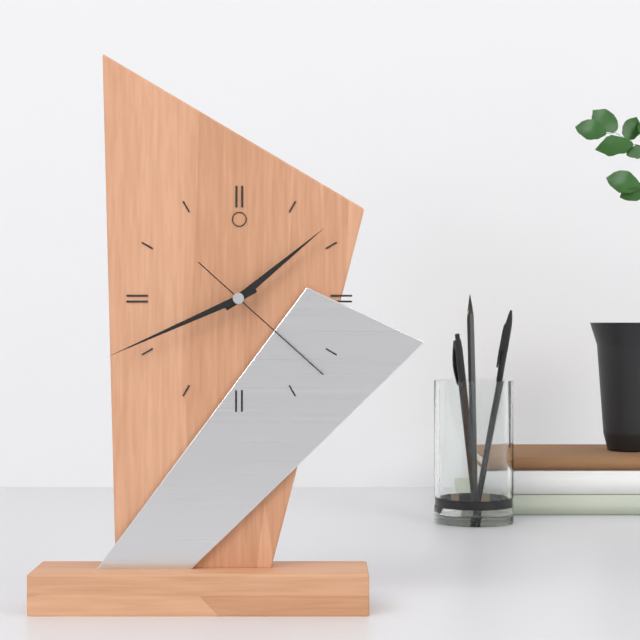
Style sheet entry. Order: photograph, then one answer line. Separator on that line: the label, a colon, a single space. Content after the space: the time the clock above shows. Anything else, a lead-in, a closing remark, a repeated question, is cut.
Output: 1:41:22
